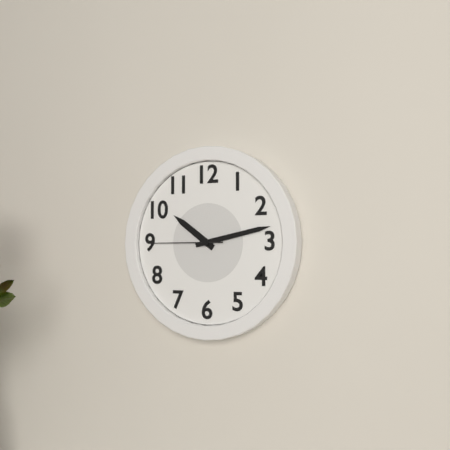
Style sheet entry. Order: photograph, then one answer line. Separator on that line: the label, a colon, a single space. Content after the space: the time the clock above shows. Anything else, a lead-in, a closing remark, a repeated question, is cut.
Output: 10:13:45
